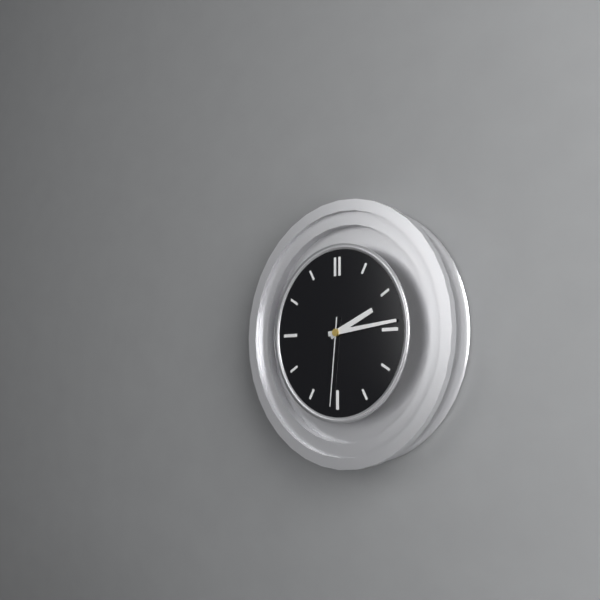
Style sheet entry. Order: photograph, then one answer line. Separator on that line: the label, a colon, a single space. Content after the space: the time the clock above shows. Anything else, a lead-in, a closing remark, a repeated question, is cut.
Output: 2:14:31
